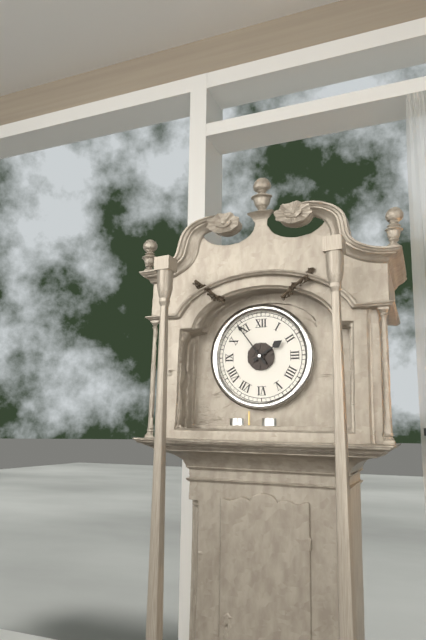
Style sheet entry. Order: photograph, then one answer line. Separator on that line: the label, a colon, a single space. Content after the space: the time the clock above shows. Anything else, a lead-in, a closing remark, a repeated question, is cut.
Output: 1:54
